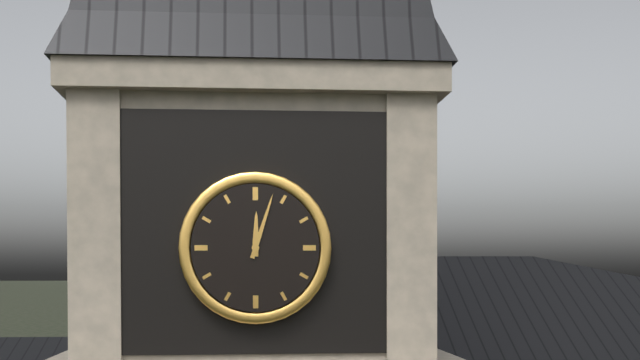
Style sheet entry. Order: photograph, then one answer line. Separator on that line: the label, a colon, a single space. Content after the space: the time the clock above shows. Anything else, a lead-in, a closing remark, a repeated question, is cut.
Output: 12:03
